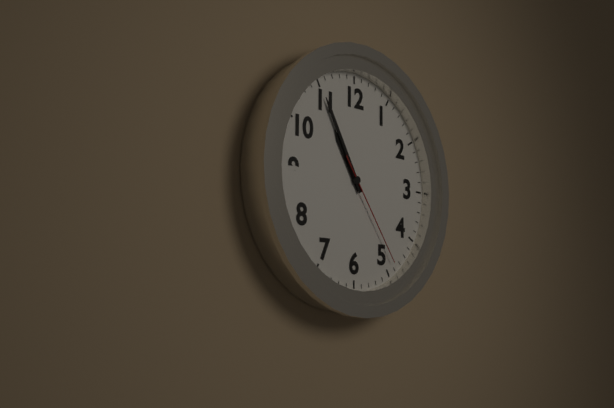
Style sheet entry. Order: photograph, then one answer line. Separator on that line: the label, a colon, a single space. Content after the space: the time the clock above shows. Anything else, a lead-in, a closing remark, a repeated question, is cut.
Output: 10:55:24
